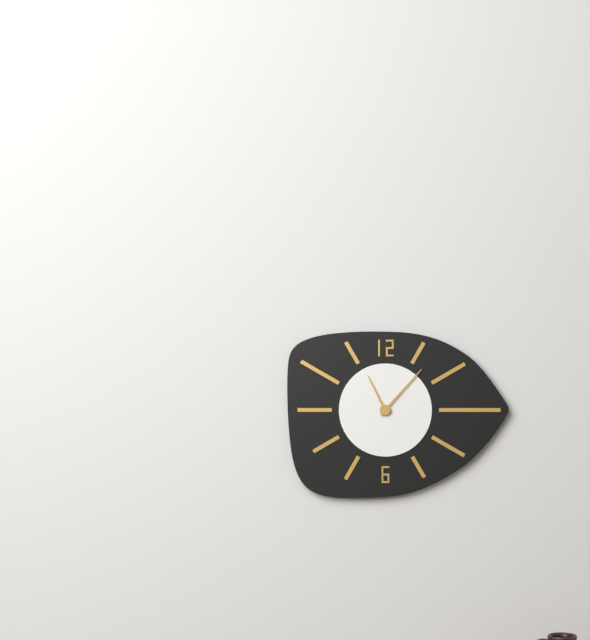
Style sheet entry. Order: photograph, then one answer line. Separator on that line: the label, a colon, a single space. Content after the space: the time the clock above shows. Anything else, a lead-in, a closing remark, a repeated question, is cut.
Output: 11:07
